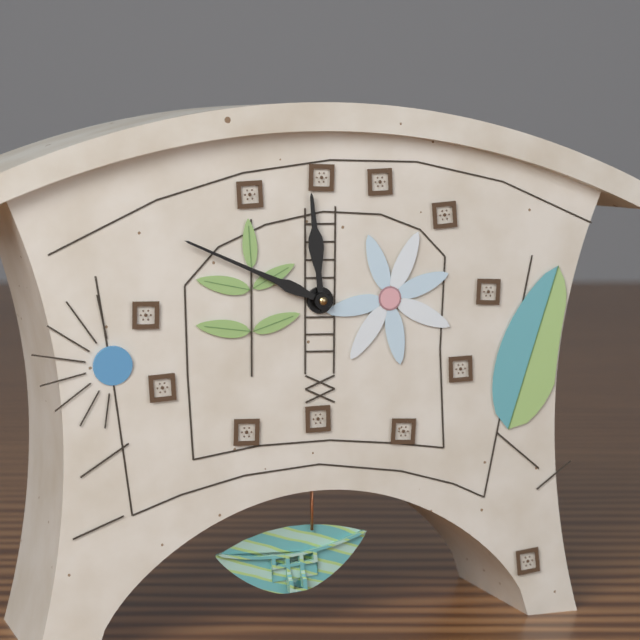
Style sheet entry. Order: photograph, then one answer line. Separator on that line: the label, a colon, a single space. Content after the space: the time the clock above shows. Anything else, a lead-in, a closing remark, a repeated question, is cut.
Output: 11:49
